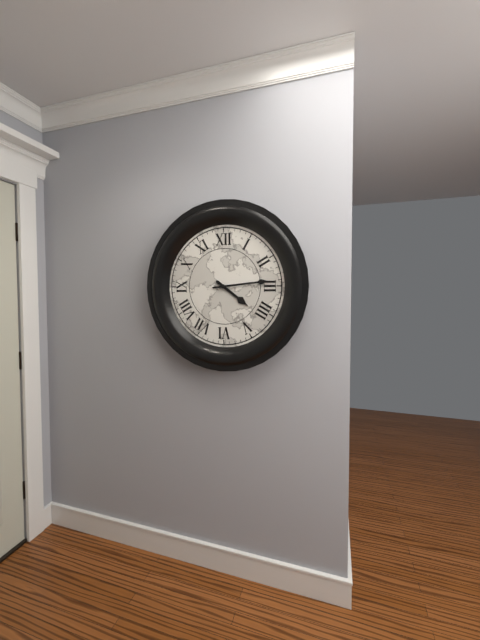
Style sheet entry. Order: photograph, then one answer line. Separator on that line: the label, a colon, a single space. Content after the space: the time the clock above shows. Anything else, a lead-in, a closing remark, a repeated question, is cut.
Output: 4:14
